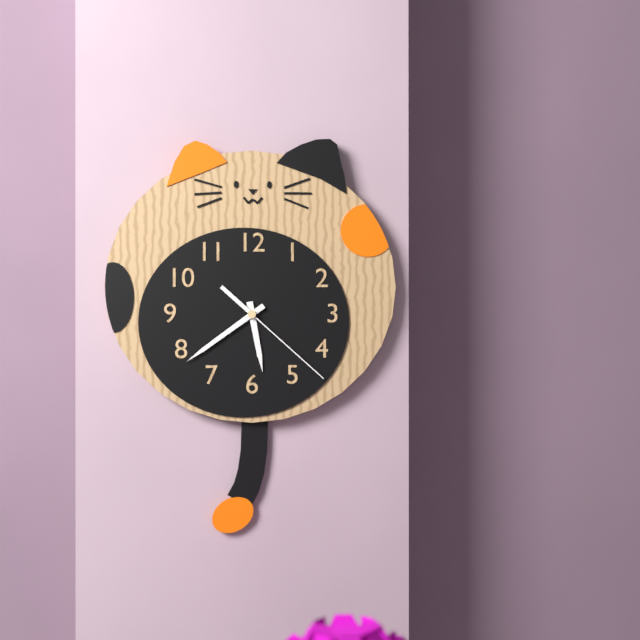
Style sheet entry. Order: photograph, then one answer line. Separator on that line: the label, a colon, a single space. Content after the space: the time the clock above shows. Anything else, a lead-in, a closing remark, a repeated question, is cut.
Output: 5:39:22
